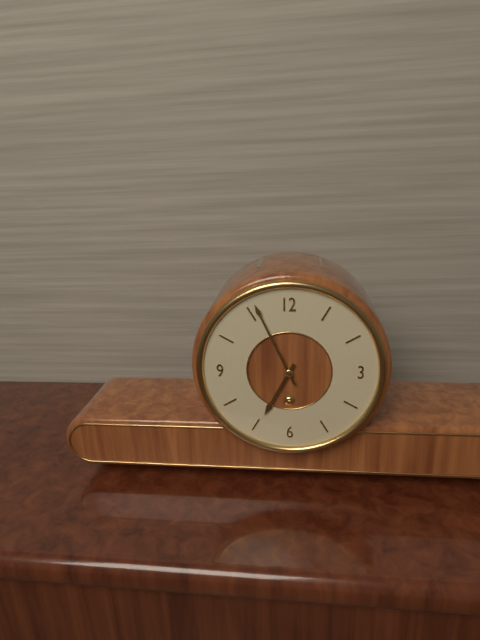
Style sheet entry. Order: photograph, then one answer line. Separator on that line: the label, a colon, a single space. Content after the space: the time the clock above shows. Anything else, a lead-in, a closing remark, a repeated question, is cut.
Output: 6:56
